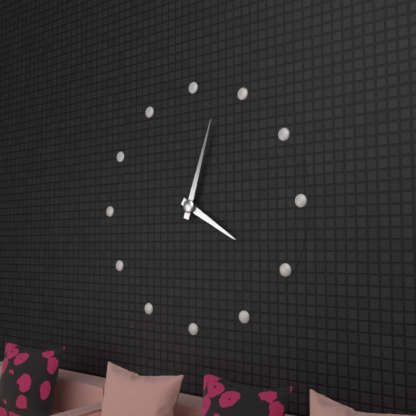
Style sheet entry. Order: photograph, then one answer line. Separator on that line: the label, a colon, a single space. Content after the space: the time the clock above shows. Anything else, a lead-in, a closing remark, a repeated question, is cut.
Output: 4:03
